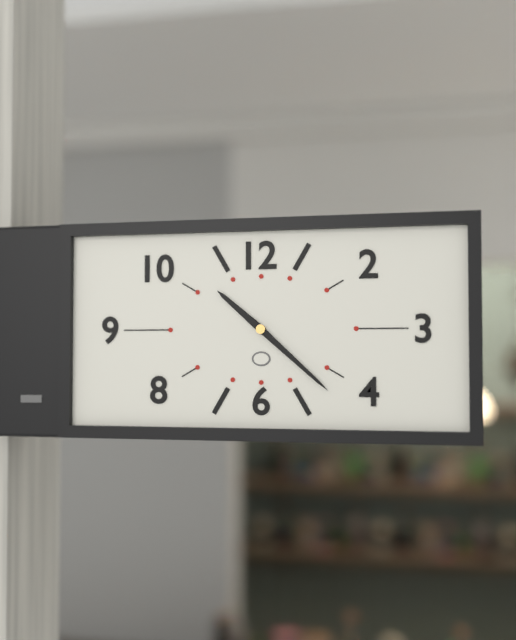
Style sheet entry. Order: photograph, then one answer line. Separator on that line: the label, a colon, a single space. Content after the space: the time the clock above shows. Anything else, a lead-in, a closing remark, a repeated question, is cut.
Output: 10:22
